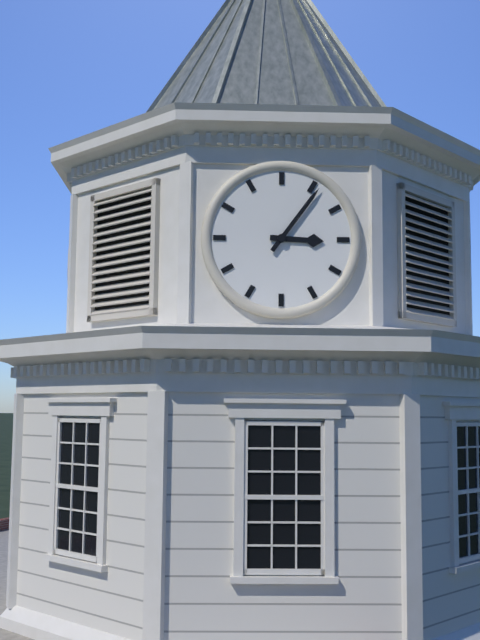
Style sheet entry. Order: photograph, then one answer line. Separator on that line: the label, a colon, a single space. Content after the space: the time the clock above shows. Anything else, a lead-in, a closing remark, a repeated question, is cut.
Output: 3:06
